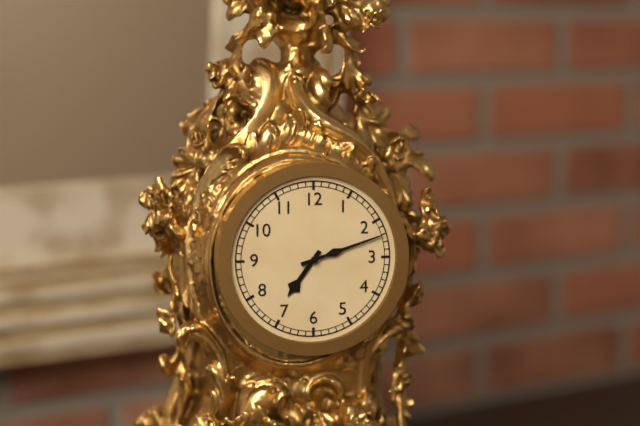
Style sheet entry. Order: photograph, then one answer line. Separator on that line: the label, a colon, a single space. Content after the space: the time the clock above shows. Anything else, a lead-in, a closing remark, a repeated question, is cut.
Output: 7:12
